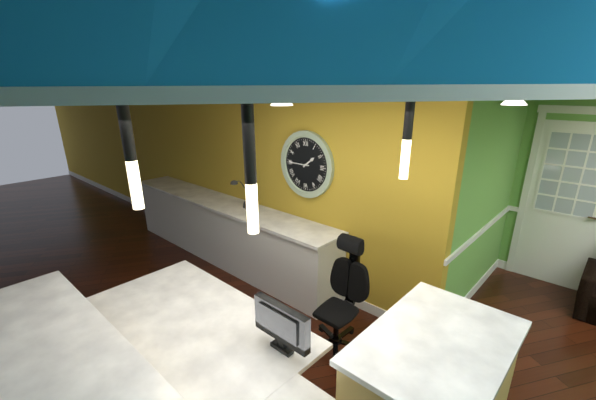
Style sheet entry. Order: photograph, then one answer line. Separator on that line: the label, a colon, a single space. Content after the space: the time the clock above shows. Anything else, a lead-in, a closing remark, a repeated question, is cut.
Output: 1:45
